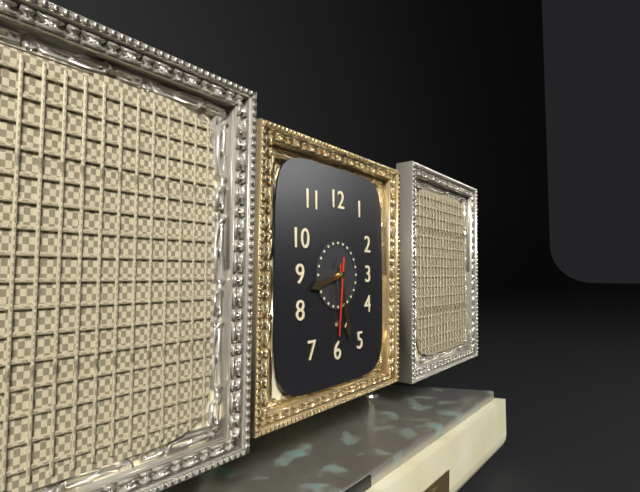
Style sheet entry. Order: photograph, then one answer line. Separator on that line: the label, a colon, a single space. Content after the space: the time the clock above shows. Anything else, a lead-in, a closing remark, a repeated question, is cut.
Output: 8:28:31
